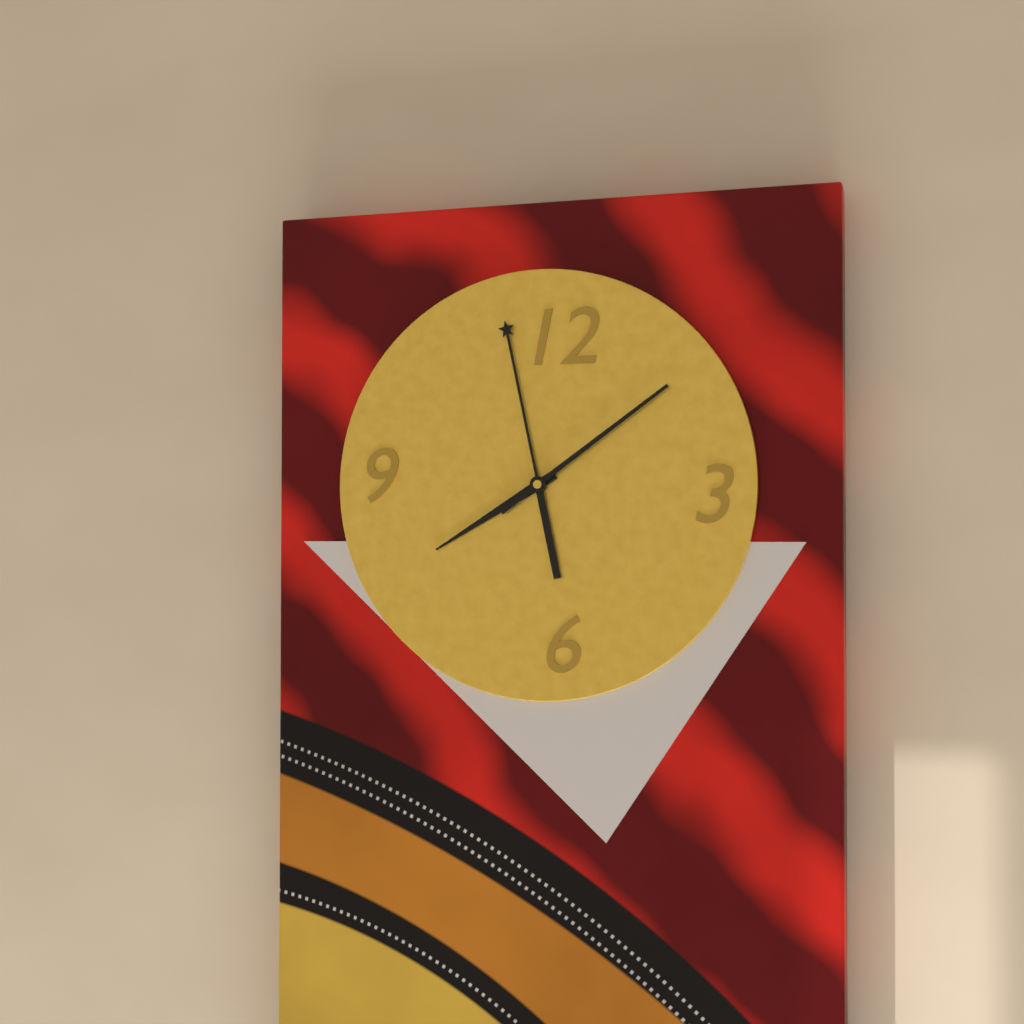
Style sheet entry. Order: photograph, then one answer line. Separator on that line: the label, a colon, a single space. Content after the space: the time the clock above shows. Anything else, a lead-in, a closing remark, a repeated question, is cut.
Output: 7:58:09
